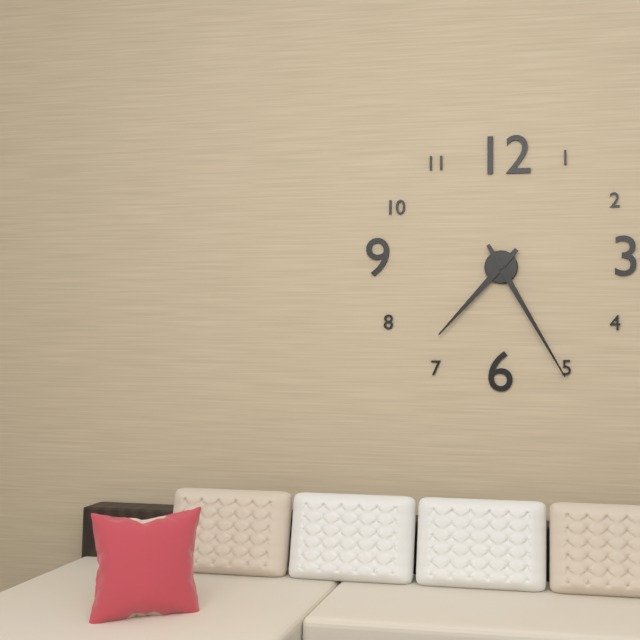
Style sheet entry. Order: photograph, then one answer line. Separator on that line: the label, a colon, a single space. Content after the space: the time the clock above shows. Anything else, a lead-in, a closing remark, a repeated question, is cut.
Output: 7:25
